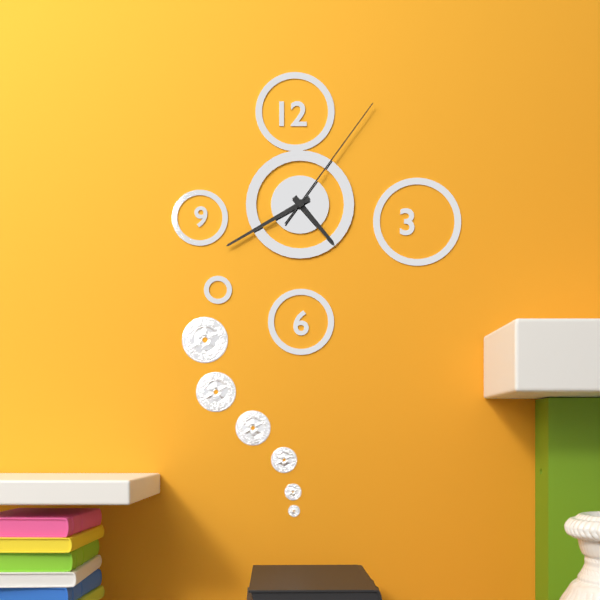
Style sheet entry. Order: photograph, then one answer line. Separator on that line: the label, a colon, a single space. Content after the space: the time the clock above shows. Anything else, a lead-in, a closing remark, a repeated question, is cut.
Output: 4:40:06
